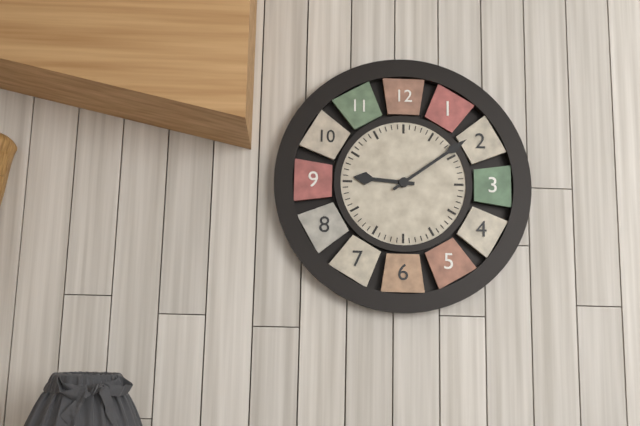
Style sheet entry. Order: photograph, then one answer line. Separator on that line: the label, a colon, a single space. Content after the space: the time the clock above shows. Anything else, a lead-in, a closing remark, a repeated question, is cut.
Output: 9:09
